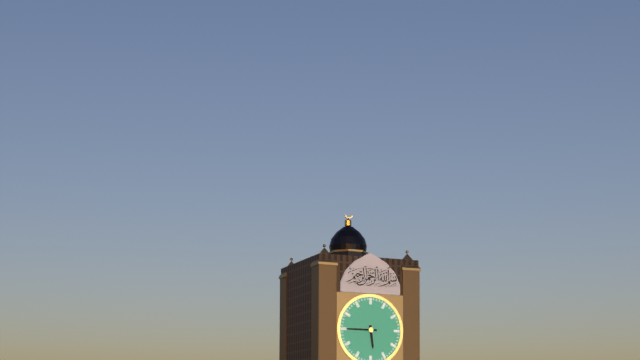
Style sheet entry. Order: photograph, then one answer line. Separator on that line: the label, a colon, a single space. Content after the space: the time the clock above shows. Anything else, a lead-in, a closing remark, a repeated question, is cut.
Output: 5:45
